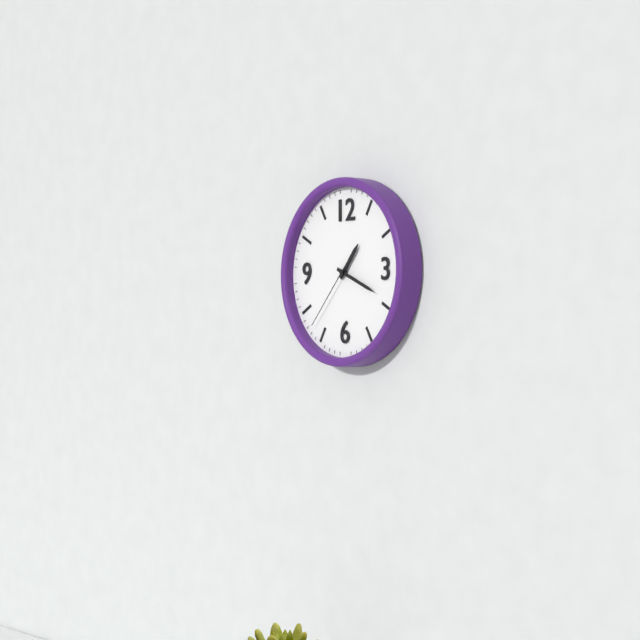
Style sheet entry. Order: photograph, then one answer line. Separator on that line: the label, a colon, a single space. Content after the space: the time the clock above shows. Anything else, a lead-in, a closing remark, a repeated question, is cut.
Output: 1:19:37
